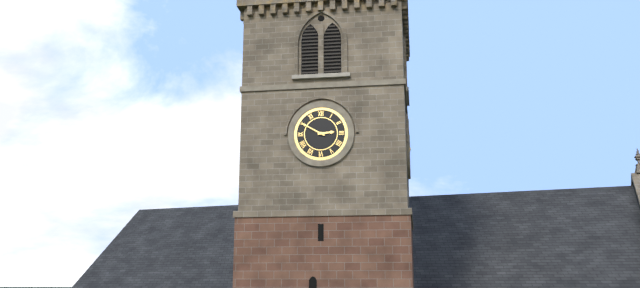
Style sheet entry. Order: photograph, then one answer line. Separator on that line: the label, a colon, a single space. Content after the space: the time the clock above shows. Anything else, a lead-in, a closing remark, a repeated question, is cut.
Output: 2:50
